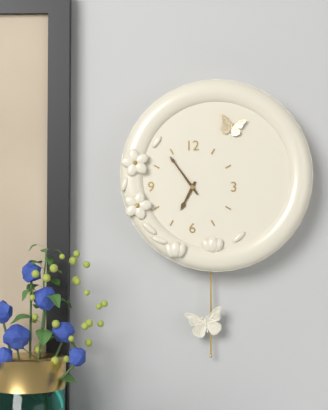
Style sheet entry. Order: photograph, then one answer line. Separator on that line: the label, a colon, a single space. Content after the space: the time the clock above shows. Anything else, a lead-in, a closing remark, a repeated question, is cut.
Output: 6:54
